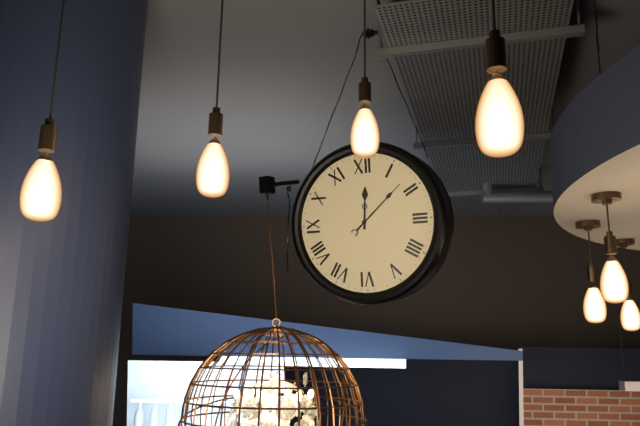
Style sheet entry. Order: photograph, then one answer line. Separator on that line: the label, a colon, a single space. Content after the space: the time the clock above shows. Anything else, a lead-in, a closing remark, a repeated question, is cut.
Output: 12:08
